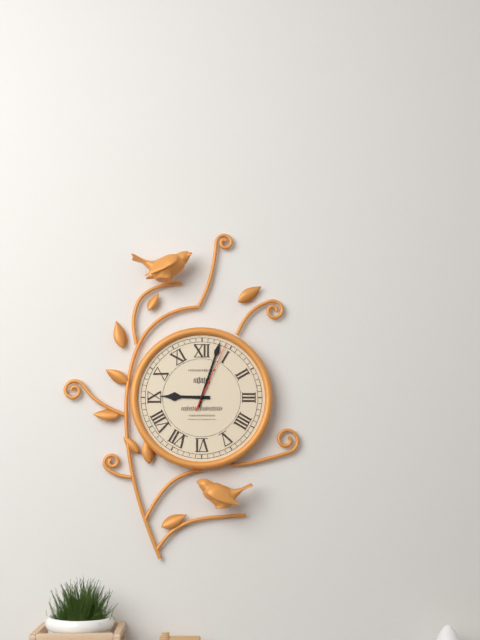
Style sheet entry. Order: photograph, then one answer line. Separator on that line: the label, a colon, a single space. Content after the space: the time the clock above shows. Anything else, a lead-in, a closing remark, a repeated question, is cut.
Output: 9:03:04
